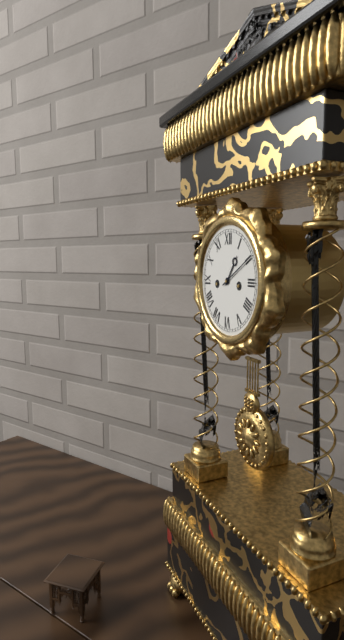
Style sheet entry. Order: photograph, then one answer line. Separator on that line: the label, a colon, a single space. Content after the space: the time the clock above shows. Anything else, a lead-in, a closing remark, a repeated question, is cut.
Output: 1:10
